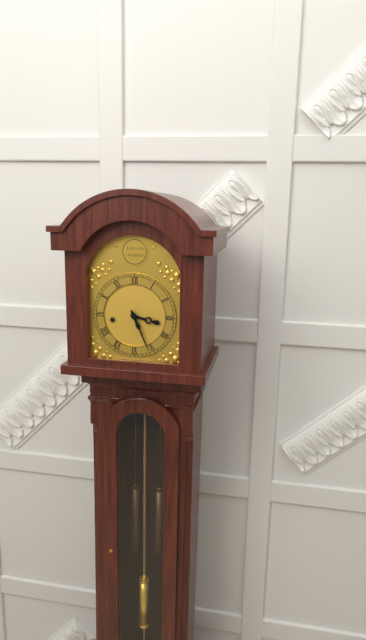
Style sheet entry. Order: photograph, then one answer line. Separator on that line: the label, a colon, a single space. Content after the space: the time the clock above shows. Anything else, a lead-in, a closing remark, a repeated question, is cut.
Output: 3:26
